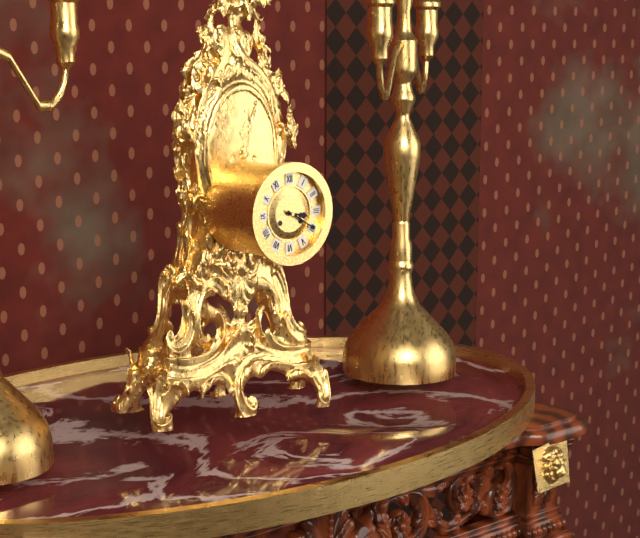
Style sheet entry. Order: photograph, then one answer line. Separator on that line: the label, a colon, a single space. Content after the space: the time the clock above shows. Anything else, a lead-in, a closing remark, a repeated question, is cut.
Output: 3:20
